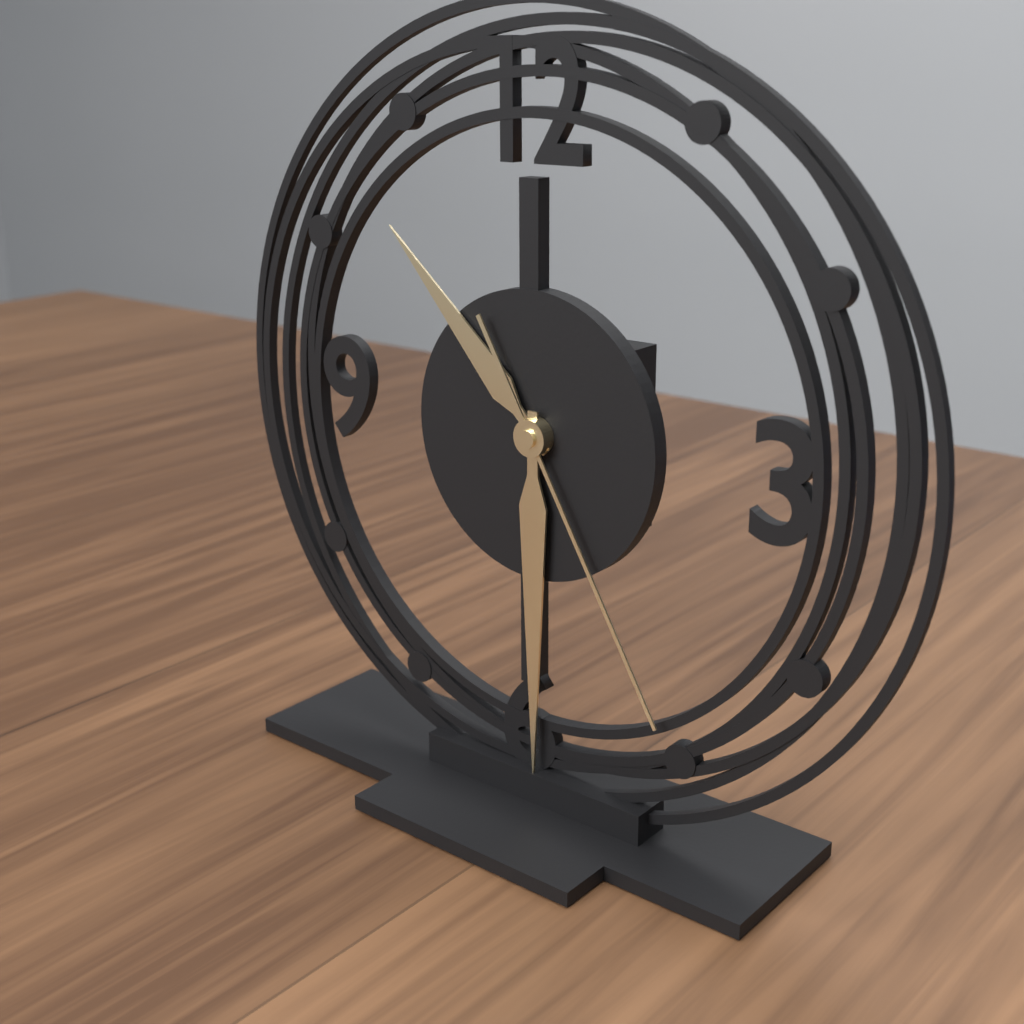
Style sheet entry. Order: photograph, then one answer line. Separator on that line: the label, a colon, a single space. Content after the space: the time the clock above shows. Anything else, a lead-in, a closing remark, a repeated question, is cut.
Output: 10:30:25
